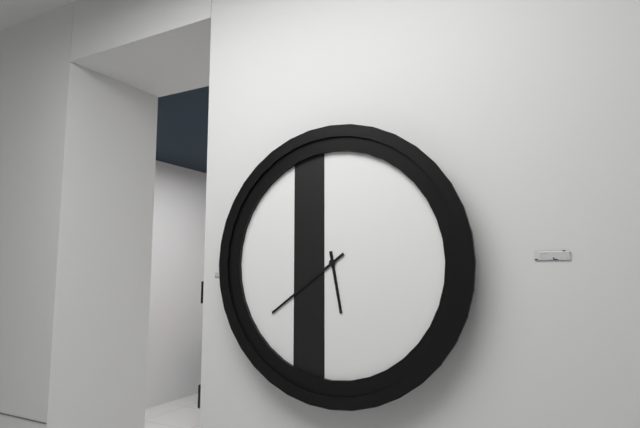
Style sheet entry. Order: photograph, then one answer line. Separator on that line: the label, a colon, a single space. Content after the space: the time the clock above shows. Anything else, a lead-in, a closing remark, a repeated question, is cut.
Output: 5:39
